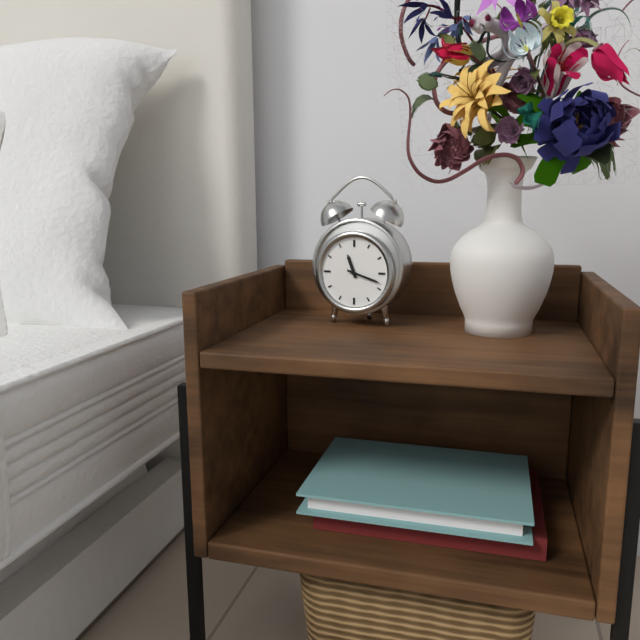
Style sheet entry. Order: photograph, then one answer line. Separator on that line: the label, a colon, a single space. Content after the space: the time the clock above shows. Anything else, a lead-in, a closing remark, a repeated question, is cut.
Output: 11:18
